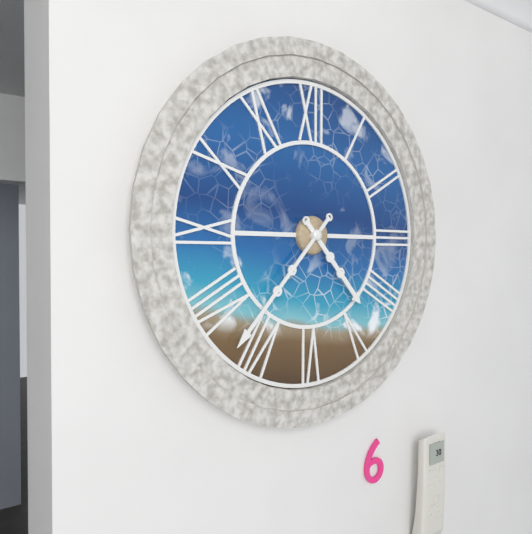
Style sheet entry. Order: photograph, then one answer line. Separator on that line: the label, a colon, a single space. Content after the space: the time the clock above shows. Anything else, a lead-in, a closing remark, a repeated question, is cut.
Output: 4:37
